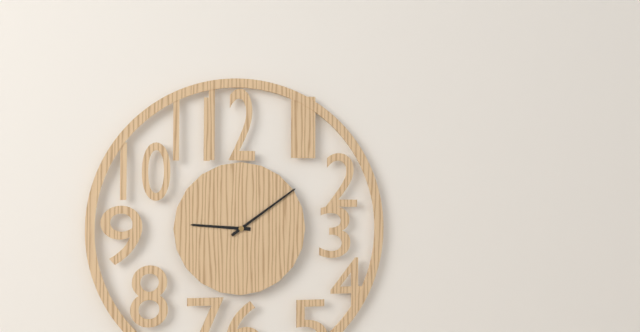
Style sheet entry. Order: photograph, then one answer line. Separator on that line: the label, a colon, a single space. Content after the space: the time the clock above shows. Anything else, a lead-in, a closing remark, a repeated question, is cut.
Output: 9:09
